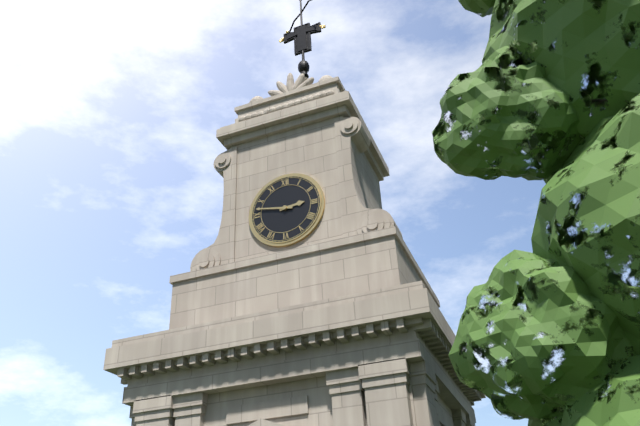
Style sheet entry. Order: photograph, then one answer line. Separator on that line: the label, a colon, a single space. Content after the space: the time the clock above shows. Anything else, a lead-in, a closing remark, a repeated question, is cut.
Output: 2:47
